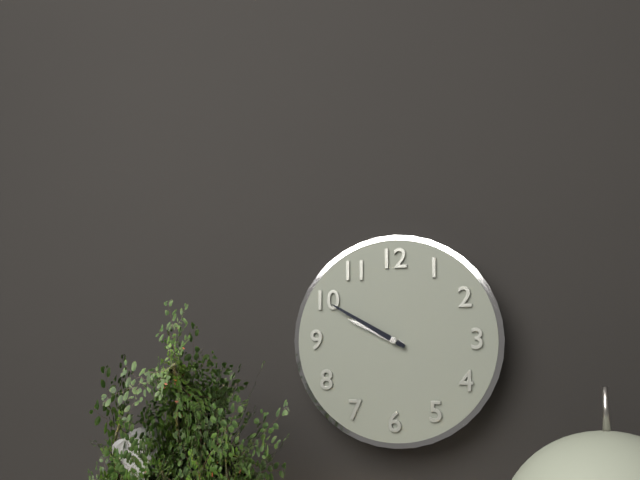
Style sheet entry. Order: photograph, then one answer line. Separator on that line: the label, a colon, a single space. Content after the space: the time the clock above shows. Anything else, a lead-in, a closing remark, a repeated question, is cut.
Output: 9:50
